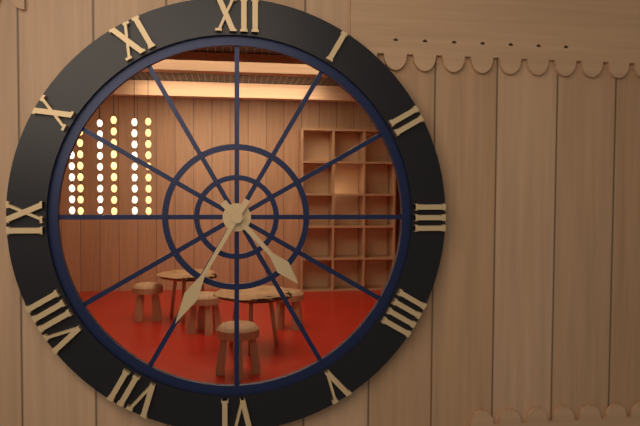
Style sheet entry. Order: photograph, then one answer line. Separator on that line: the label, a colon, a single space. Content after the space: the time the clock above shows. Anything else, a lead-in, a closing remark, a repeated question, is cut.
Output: 4:35
